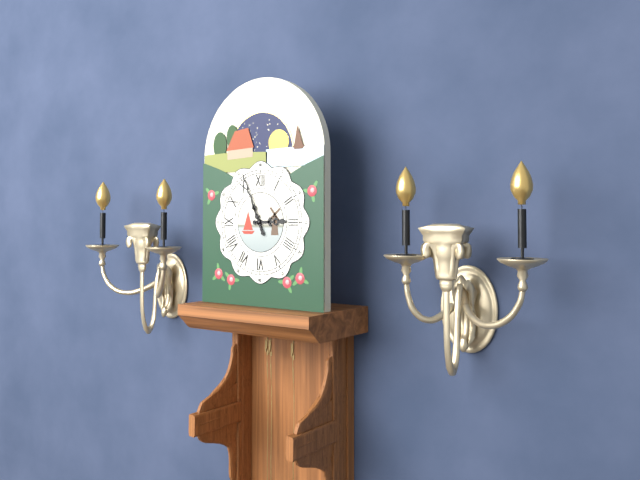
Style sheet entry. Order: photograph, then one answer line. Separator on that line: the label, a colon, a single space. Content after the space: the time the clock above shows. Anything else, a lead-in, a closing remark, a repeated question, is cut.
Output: 2:56
